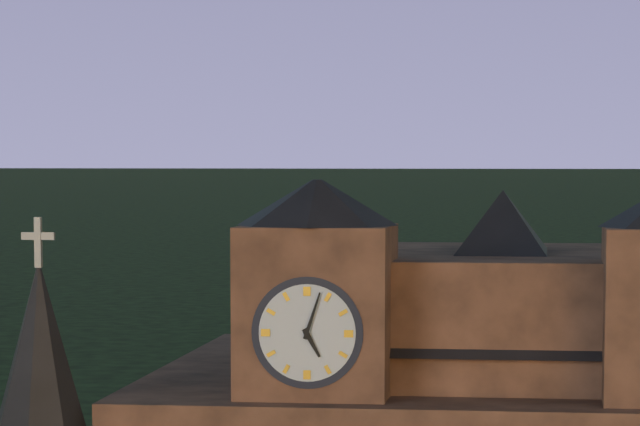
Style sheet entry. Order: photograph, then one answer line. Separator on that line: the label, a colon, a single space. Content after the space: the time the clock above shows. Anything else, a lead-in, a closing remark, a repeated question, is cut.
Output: 5:03
